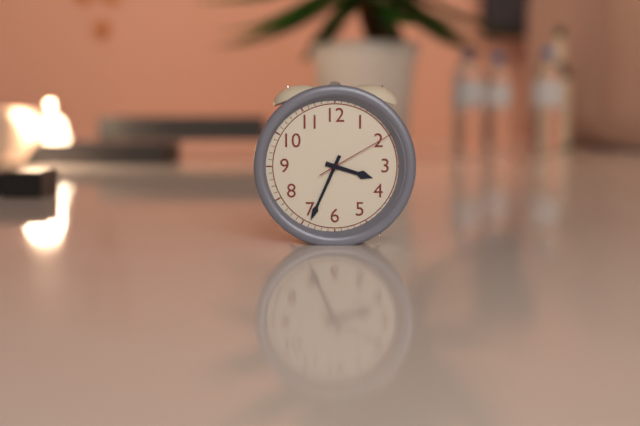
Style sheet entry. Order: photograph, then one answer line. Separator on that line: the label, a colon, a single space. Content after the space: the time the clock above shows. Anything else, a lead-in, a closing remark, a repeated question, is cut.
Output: 3:34:10
